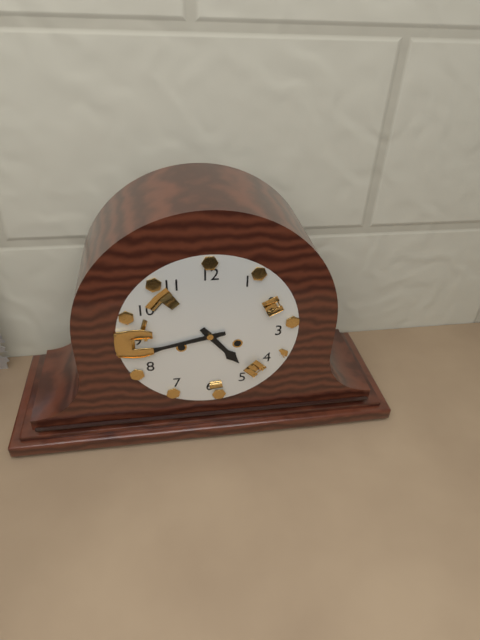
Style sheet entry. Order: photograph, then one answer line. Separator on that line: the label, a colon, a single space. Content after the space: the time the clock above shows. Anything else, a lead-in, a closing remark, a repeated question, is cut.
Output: 4:43
